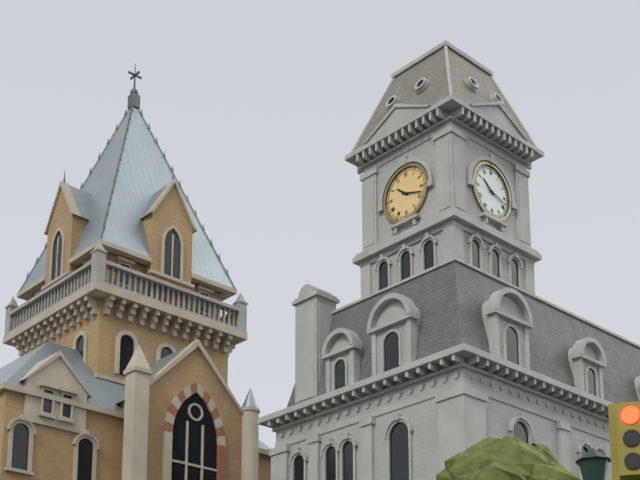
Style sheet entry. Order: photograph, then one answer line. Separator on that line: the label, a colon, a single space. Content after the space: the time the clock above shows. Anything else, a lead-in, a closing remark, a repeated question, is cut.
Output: 10:18
